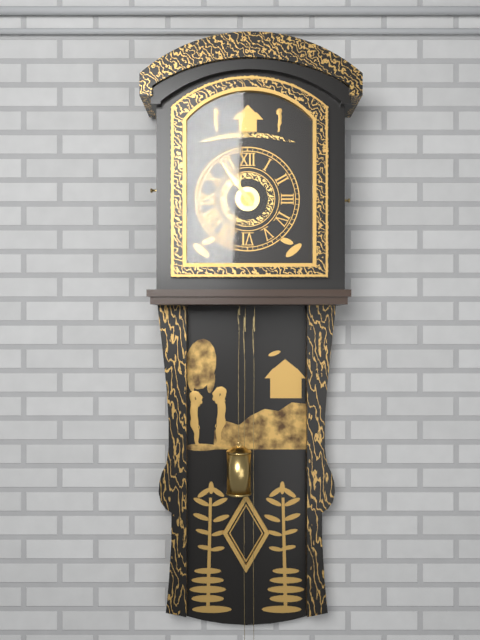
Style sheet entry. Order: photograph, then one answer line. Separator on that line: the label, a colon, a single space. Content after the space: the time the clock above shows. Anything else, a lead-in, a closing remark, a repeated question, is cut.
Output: 10:54
